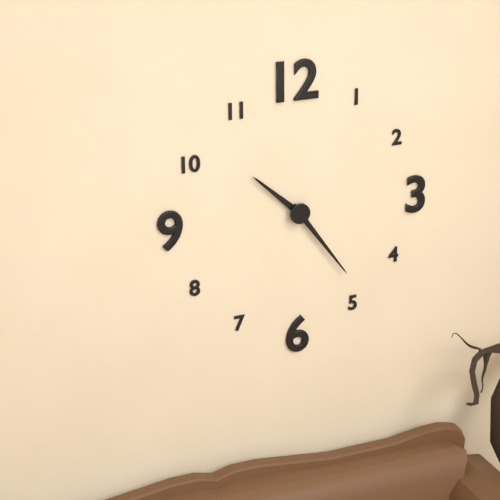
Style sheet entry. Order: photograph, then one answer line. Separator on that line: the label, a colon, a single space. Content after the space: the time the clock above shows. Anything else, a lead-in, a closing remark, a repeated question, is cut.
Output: 10:24
